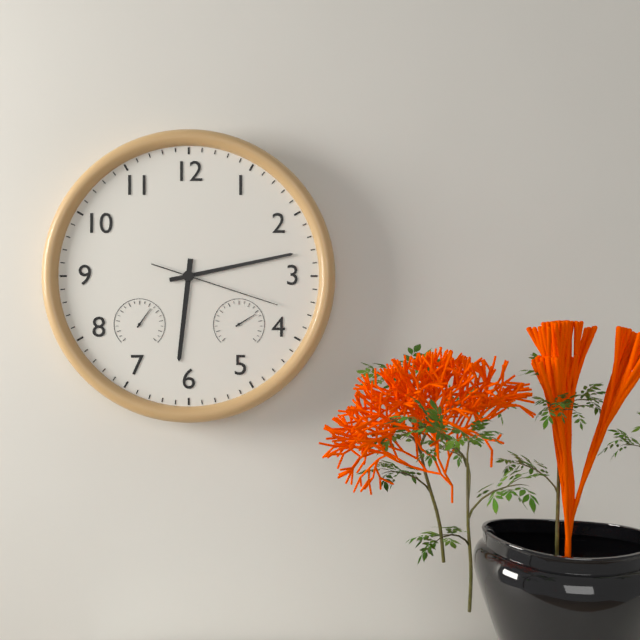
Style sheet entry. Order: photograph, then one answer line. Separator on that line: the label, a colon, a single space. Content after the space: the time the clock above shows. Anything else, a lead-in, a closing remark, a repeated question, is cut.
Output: 6:13:18
